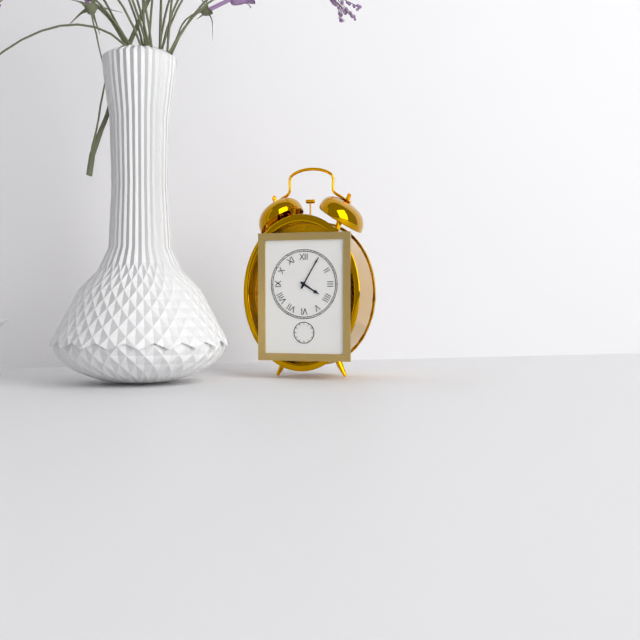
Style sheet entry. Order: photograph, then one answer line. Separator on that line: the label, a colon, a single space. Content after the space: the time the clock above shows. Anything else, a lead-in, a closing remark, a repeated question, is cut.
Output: 4:05
